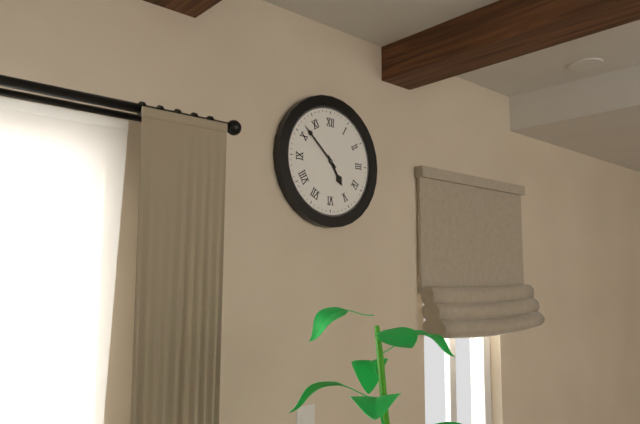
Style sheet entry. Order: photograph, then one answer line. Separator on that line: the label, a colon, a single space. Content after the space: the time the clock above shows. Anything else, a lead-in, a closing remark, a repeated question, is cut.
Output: 4:52
